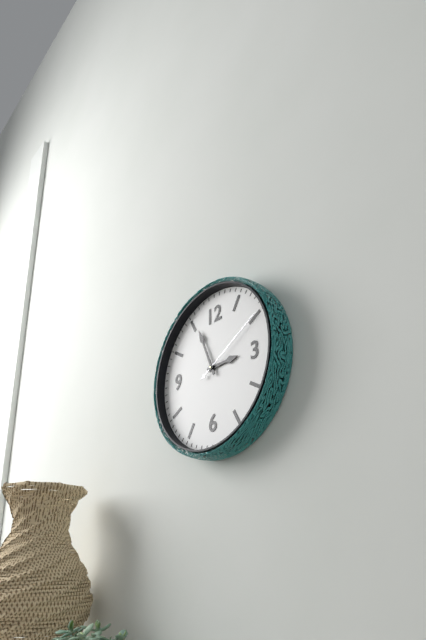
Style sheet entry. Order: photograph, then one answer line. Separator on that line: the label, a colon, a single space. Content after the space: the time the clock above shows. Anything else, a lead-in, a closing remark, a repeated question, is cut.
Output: 2:56:10
